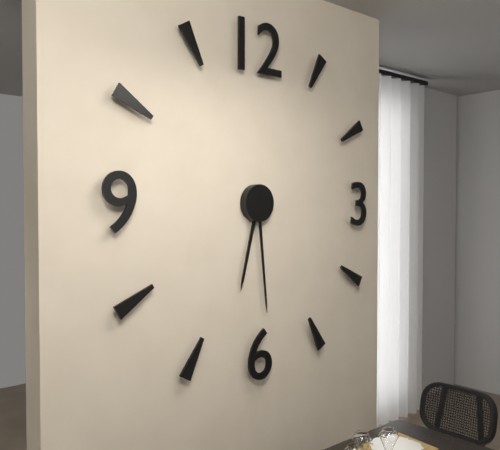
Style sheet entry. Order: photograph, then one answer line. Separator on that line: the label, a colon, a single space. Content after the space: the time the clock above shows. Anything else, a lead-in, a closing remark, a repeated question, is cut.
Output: 6:29
